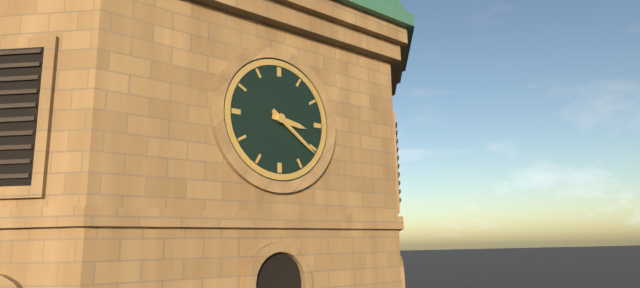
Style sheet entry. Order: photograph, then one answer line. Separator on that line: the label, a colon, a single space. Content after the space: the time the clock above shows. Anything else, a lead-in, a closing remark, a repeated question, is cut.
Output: 3:21
